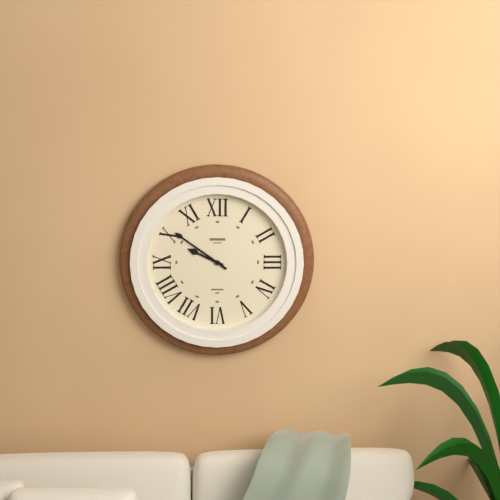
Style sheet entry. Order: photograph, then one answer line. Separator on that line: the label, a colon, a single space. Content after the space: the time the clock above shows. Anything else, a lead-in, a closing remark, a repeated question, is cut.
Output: 9:51
